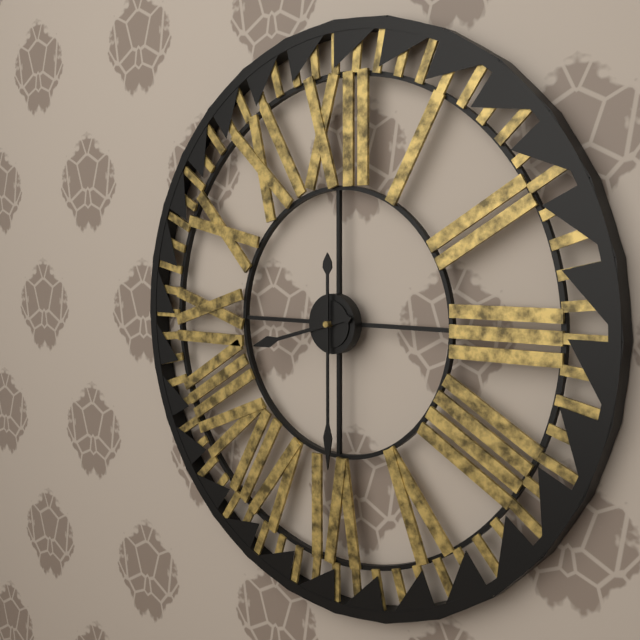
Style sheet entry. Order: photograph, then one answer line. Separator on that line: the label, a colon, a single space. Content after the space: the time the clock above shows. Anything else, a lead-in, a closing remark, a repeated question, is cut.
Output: 8:30
